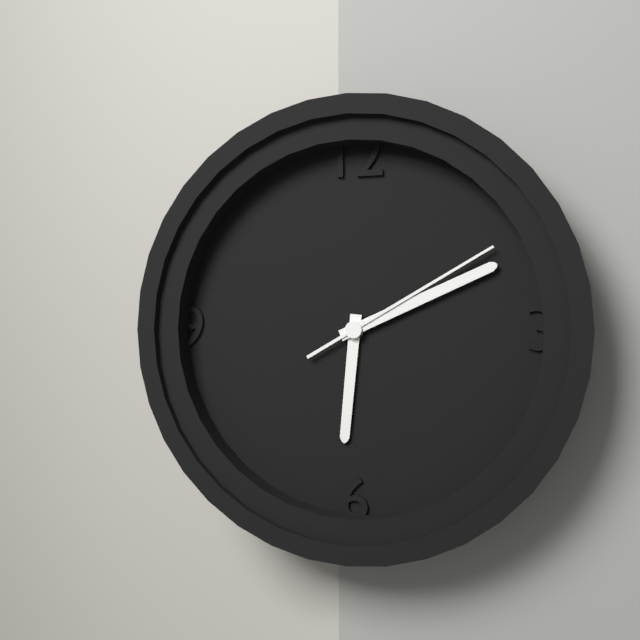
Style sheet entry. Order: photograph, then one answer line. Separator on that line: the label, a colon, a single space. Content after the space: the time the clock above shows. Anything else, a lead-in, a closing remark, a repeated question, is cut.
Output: 6:11:10
